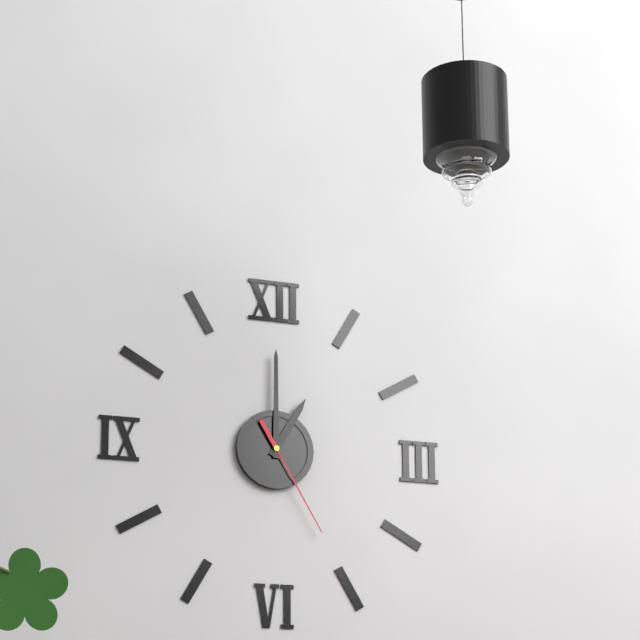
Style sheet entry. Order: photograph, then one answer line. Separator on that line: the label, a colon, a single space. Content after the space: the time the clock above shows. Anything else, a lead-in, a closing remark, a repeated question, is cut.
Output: 1:00:25
